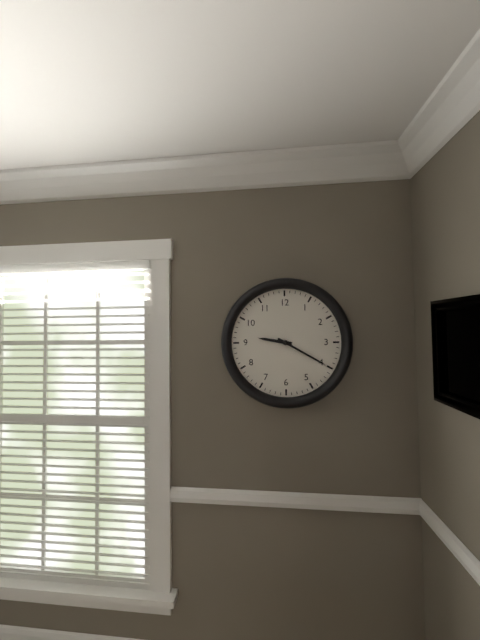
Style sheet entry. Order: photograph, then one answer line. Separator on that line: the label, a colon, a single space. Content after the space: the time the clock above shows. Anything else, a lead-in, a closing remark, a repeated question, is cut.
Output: 9:20
